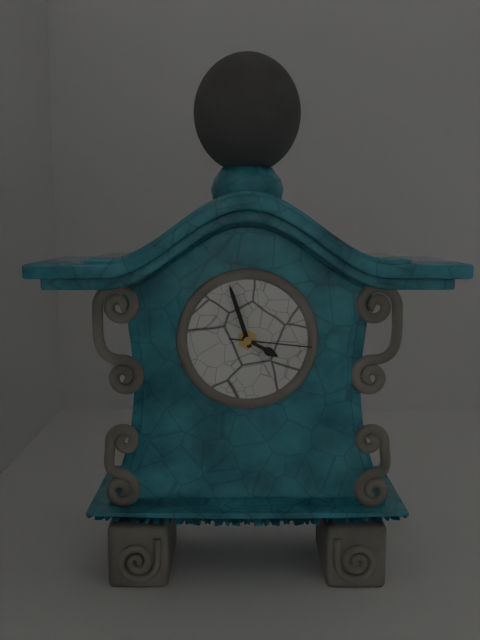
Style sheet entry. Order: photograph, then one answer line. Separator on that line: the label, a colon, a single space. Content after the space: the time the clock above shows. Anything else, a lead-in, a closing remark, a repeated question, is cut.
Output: 3:57:16
